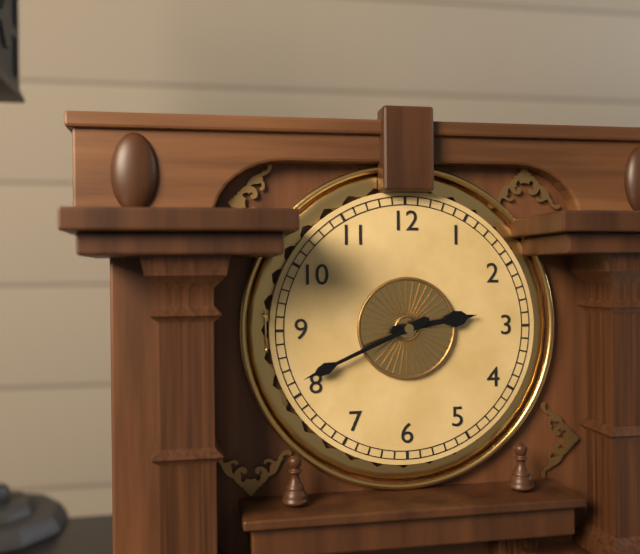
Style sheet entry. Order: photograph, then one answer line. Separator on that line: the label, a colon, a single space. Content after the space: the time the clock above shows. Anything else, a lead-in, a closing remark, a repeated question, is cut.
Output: 2:41
